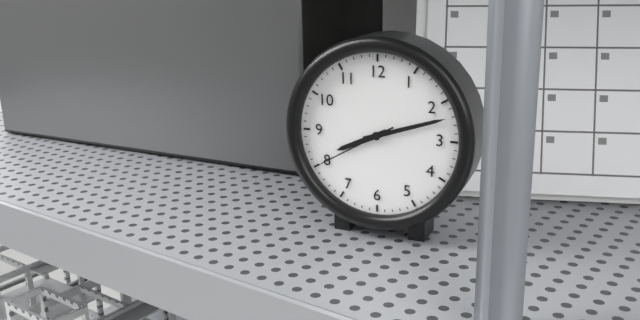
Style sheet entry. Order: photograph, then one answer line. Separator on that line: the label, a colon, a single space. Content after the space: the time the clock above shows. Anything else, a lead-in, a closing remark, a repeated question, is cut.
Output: 8:12:40
